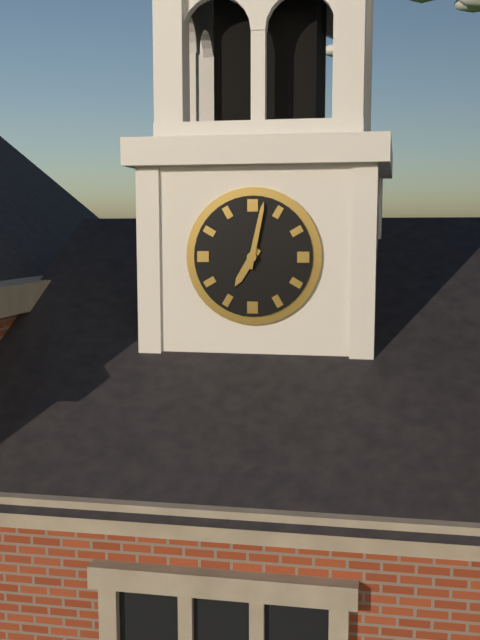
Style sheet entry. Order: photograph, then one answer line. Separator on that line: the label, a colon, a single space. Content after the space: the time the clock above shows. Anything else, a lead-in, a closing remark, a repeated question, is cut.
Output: 7:02
